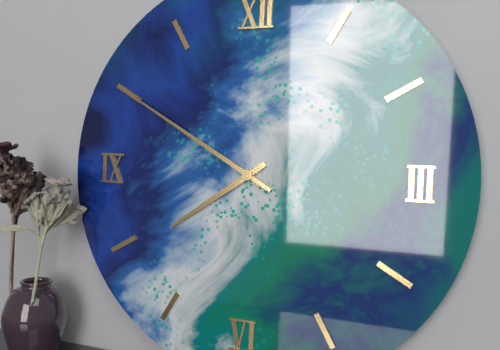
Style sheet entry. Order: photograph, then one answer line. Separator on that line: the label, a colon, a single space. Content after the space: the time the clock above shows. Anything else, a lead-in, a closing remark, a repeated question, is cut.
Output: 7:50
